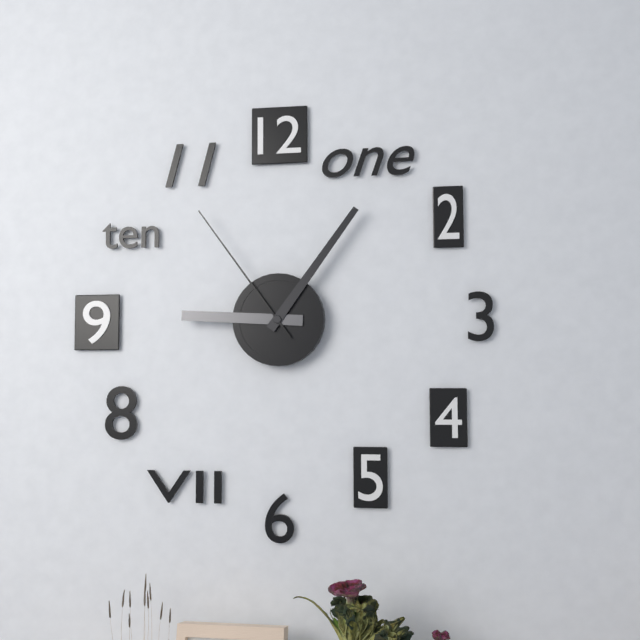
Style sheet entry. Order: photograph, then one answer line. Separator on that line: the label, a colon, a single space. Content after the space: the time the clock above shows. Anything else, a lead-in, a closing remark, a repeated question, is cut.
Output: 9:06:54
